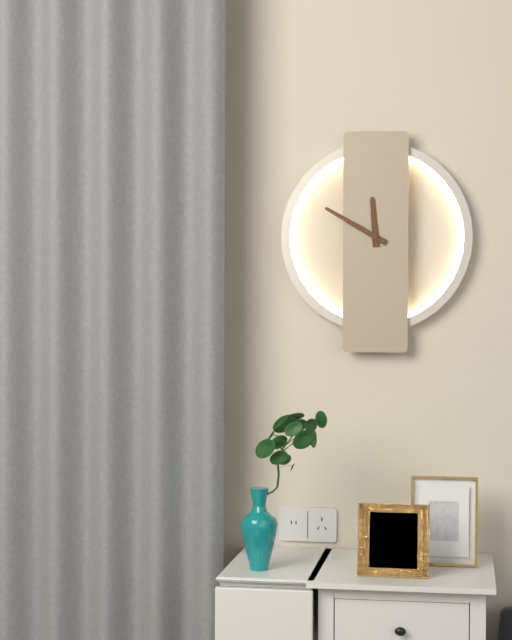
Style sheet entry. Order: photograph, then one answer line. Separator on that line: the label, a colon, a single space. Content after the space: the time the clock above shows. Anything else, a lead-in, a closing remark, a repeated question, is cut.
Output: 11:50
